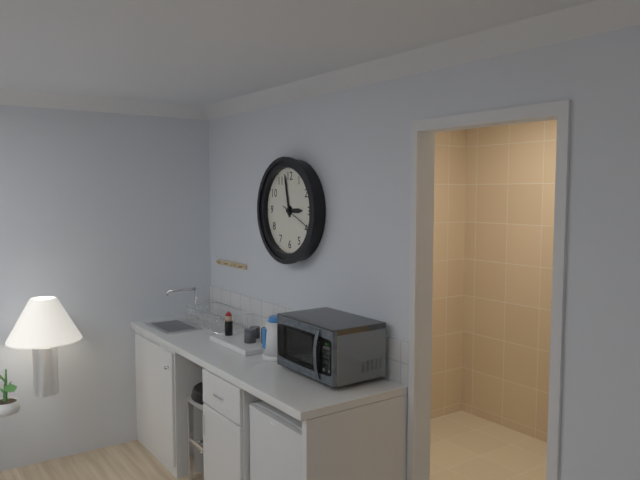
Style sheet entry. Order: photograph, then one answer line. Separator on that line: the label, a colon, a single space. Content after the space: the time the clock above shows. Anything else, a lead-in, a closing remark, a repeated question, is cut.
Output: 2:58
